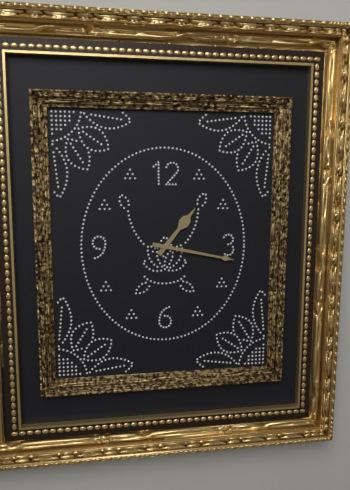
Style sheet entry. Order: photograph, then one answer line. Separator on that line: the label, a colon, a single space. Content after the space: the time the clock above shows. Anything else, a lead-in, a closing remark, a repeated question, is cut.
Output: 1:17
